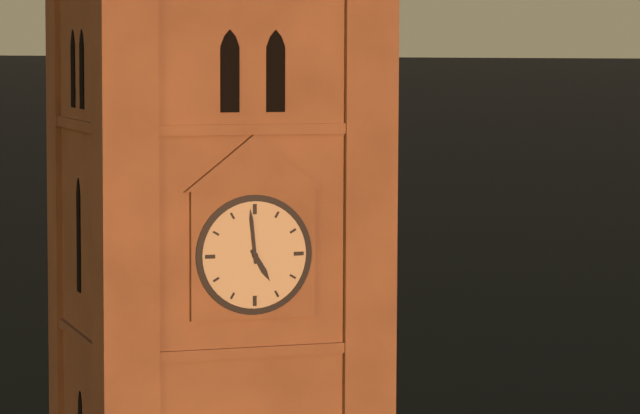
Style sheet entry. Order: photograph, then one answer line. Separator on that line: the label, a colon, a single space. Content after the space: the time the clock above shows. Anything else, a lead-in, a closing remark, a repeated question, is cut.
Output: 4:59
